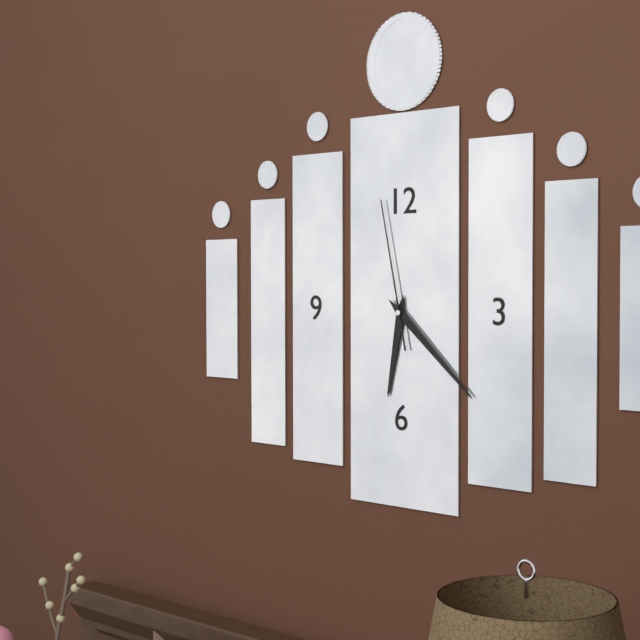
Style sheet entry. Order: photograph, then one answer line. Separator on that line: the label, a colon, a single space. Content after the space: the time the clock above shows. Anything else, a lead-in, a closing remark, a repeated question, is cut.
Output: 6:22:58
